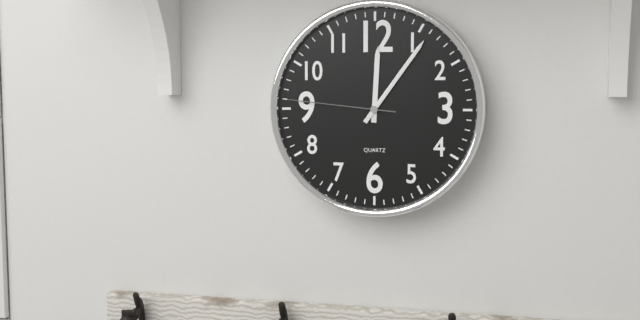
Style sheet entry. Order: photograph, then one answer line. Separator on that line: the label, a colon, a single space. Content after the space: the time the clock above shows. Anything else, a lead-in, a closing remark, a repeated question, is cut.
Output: 12:06:46
